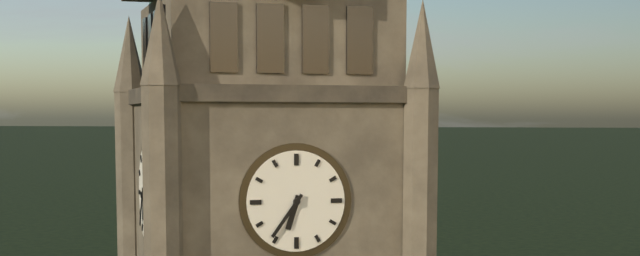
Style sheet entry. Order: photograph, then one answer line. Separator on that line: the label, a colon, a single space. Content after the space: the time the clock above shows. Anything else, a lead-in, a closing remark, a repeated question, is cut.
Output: 6:36
